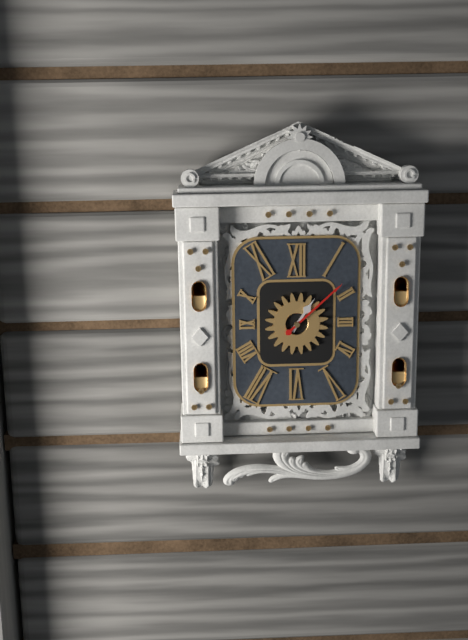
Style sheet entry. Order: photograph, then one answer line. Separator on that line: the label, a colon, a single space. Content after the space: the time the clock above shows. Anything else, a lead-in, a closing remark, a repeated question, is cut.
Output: 1:08
